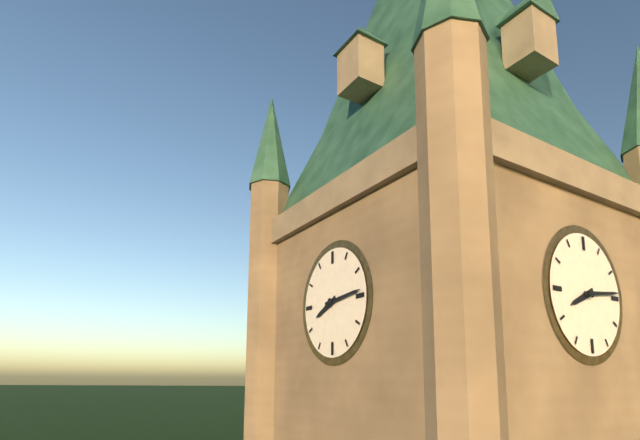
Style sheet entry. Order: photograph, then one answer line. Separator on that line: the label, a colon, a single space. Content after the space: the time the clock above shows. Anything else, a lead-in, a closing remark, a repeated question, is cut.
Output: 8:14
